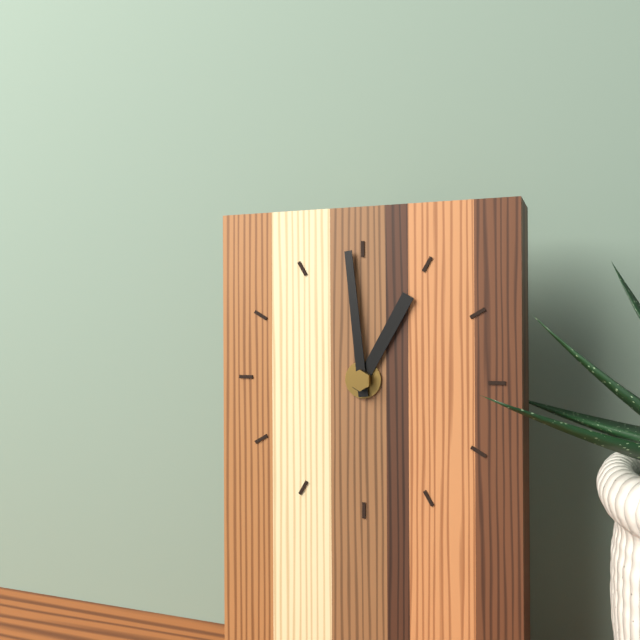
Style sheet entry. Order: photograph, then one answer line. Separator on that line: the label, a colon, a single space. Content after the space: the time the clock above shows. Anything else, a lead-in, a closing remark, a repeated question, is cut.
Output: 12:59
